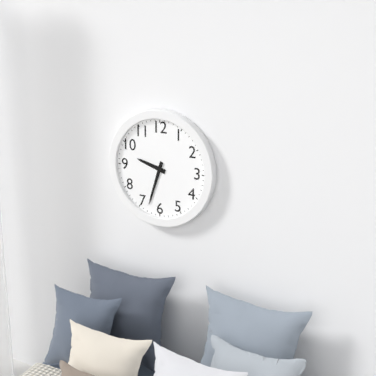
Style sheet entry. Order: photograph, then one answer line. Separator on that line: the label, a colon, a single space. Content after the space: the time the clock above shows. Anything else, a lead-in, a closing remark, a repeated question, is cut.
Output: 9:33
